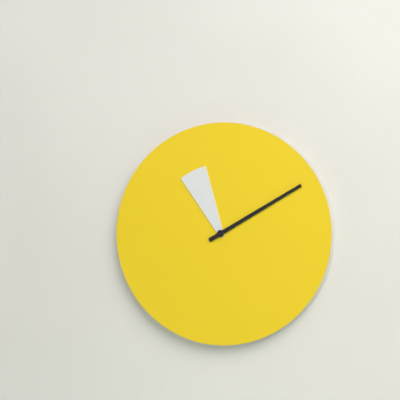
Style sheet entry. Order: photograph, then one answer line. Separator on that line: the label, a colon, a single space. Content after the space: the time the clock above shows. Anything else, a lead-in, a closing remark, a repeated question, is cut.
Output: 11:10
